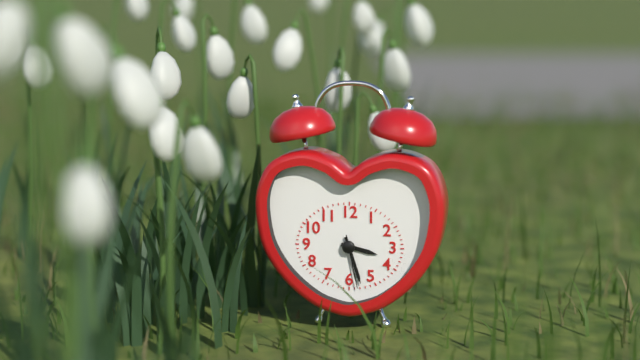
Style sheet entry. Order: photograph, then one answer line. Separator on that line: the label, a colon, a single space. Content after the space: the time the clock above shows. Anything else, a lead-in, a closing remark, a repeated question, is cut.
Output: 3:27:28
